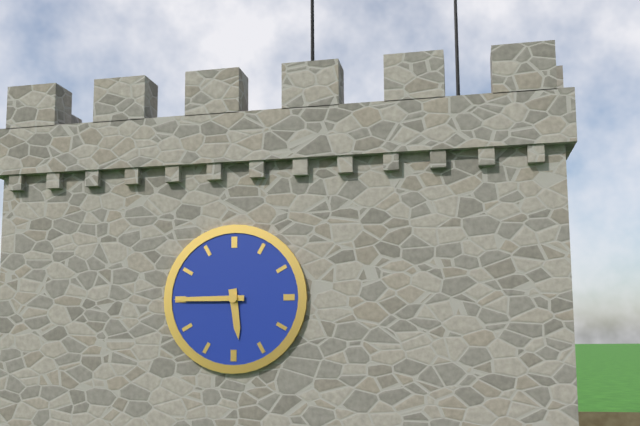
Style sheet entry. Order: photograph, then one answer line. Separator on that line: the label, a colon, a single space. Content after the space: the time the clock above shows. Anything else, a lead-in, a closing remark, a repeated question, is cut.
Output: 5:45
